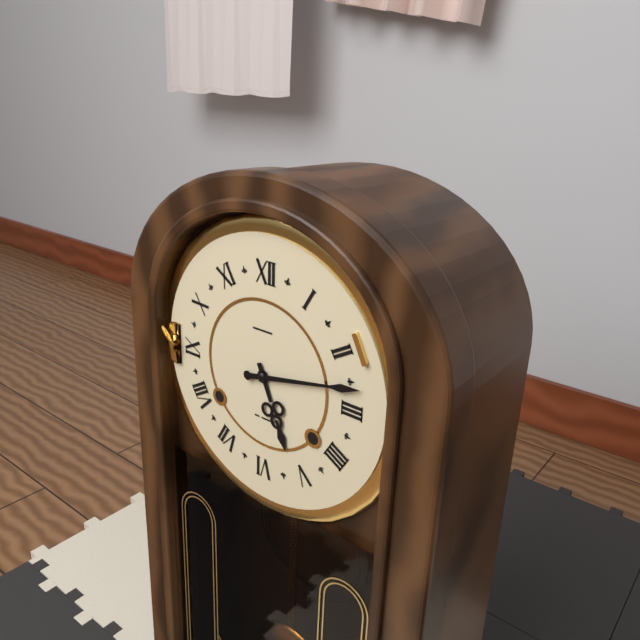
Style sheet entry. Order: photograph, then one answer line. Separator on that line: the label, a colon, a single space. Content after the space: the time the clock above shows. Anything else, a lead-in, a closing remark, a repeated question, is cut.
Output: 5:13
